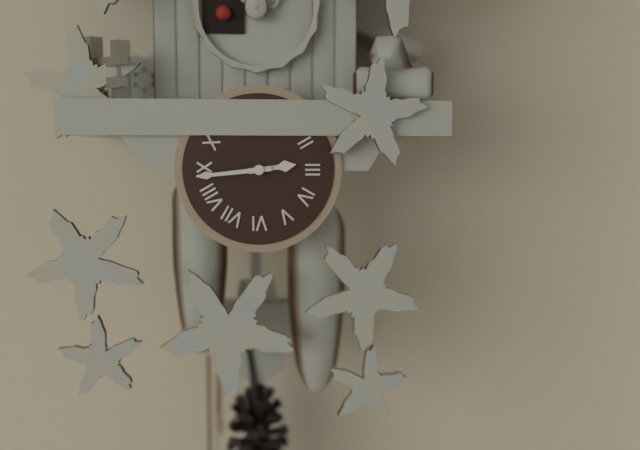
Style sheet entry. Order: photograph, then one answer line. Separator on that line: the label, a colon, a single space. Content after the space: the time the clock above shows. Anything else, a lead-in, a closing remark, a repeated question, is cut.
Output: 2:44
